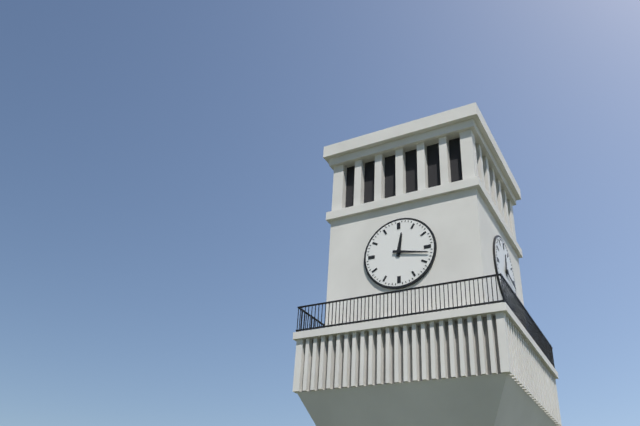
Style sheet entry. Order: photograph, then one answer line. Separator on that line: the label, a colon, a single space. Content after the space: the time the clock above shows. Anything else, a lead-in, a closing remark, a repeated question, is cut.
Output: 12:17
